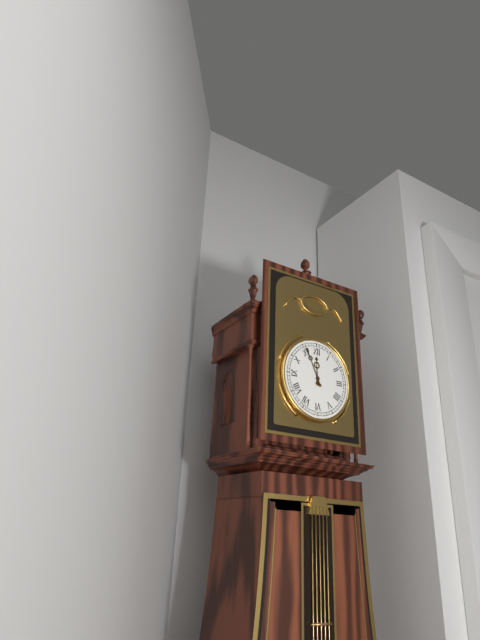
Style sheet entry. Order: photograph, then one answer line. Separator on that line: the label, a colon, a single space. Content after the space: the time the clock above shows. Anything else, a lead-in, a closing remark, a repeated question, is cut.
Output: 11:56
